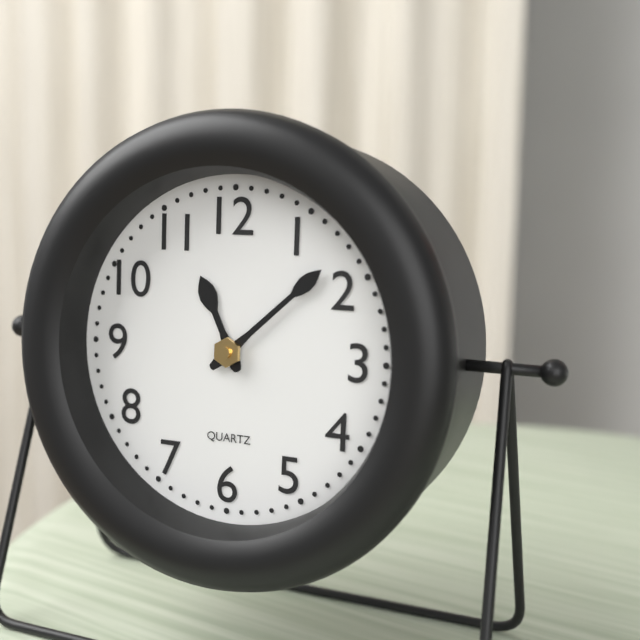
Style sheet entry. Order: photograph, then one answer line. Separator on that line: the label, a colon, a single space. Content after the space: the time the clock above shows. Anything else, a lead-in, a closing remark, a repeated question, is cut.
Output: 11:08
